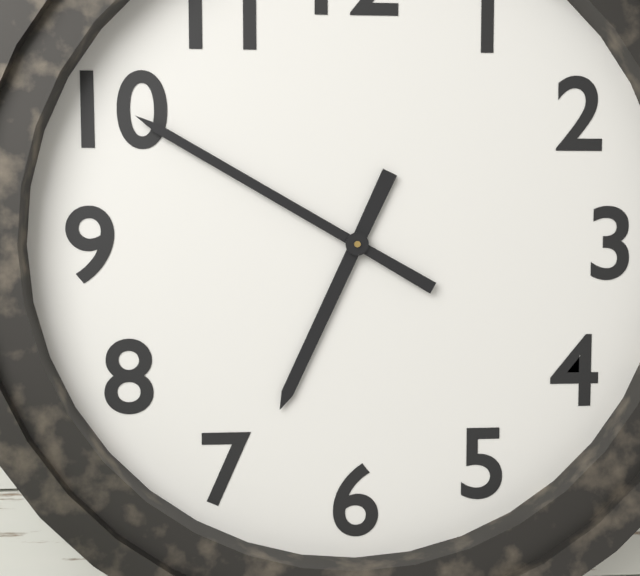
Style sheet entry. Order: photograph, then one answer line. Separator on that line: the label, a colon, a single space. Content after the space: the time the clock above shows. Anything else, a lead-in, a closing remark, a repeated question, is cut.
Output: 6:50
